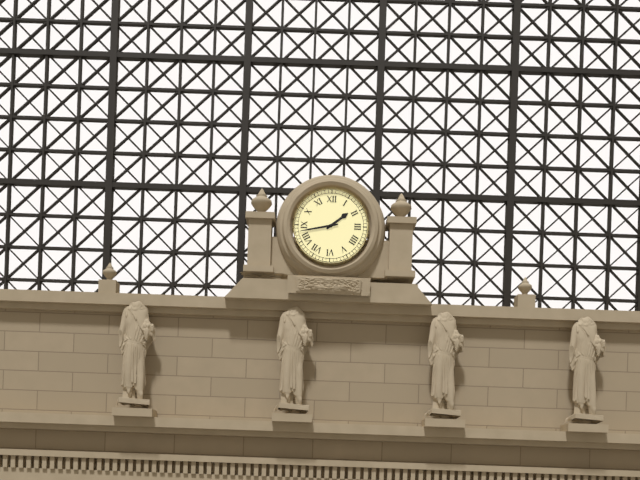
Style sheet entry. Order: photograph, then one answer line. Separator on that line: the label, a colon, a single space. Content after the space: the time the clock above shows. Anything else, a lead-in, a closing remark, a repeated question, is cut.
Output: 1:43
